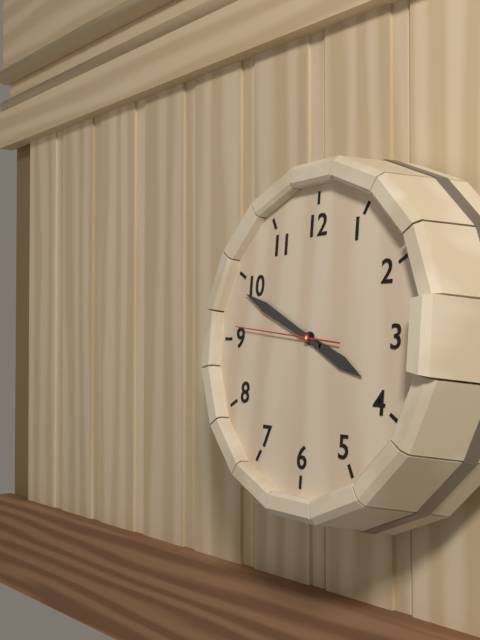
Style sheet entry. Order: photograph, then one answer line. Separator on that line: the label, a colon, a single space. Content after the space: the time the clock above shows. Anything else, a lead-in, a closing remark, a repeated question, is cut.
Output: 3:49:46
